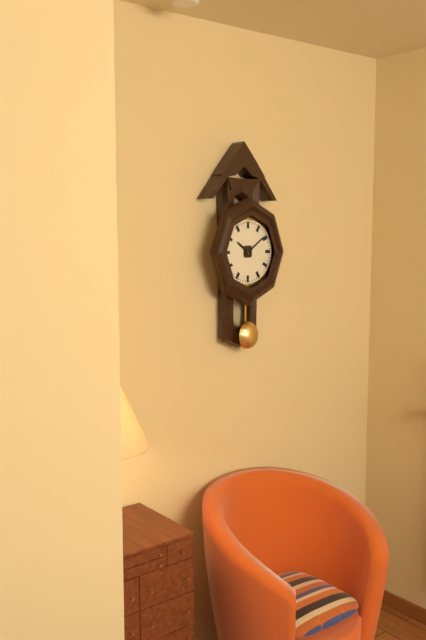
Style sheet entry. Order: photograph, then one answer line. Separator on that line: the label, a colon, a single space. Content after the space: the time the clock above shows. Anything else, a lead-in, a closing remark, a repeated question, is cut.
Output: 10:09
